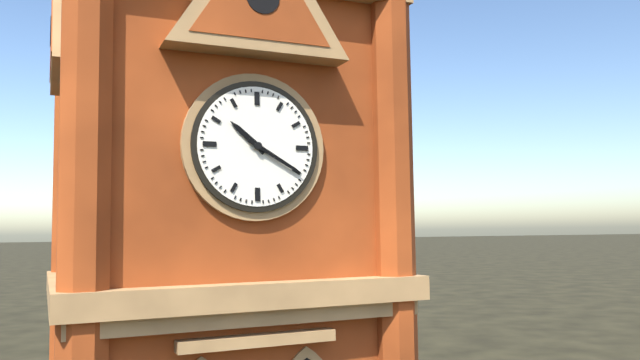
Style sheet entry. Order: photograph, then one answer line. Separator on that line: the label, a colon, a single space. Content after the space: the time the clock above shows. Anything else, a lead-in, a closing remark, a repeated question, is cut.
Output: 10:20
